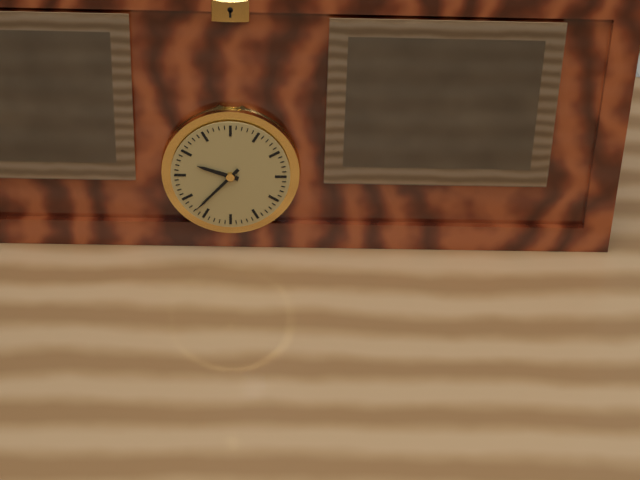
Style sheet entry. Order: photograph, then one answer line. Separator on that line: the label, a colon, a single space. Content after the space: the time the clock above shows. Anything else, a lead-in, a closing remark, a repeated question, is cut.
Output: 9:37
